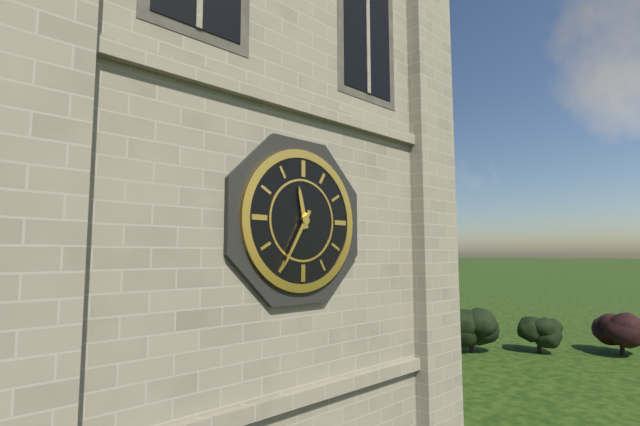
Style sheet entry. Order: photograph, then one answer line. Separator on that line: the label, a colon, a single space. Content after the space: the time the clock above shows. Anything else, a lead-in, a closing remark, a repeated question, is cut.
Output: 11:35
